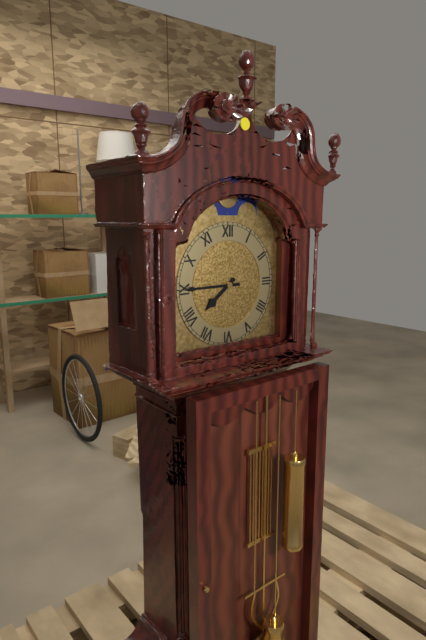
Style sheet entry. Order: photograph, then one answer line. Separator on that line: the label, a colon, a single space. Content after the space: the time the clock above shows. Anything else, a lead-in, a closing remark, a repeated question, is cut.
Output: 7:45
